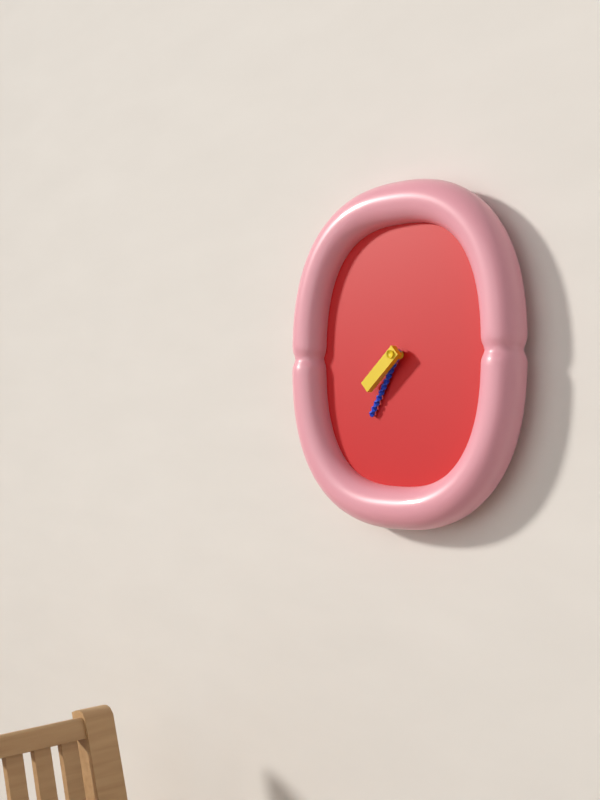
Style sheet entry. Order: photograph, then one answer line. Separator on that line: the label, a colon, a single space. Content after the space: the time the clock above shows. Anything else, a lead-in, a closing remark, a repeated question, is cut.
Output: 7:35
